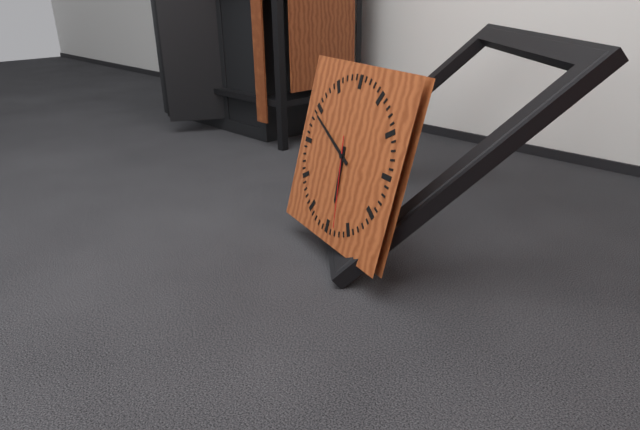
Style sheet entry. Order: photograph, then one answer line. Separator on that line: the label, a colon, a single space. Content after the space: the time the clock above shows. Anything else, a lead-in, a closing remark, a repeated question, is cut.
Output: 5:49:28
